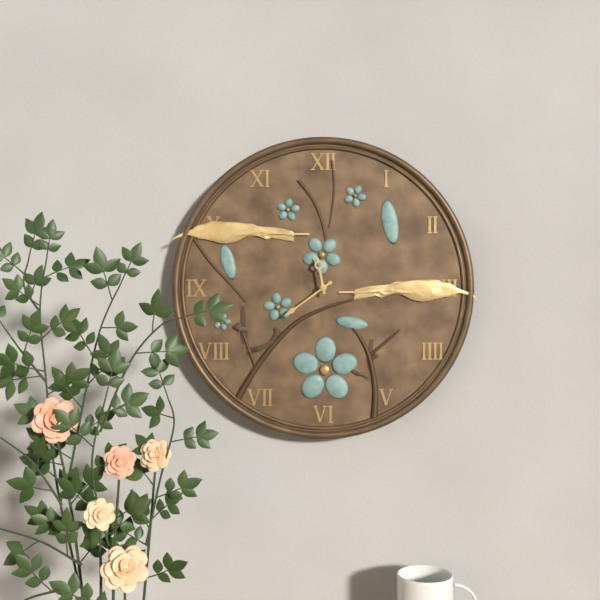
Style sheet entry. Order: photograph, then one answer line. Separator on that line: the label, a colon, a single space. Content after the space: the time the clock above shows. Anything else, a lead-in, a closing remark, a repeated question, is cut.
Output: 11:39
